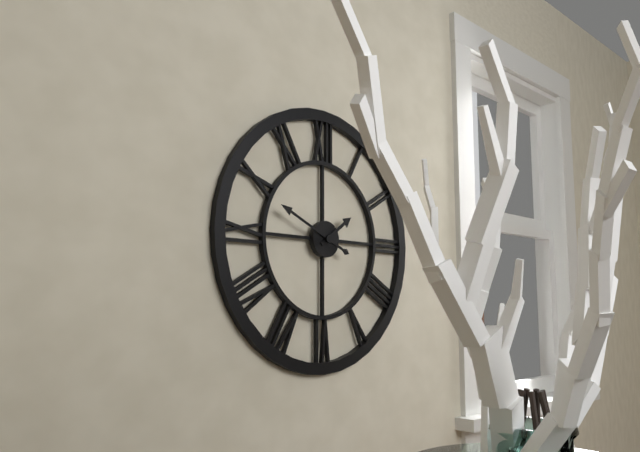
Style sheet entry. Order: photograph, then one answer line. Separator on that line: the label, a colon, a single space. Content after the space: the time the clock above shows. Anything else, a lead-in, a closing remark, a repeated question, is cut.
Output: 1:49
